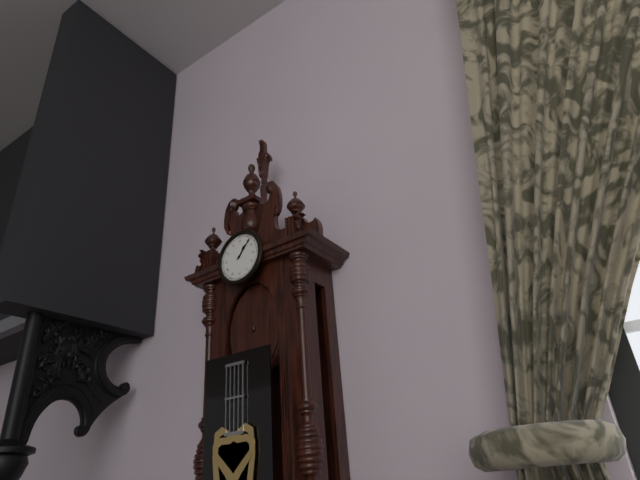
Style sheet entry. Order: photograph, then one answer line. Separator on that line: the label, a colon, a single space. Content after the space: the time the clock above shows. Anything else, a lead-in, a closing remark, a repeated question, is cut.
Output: 1:07
